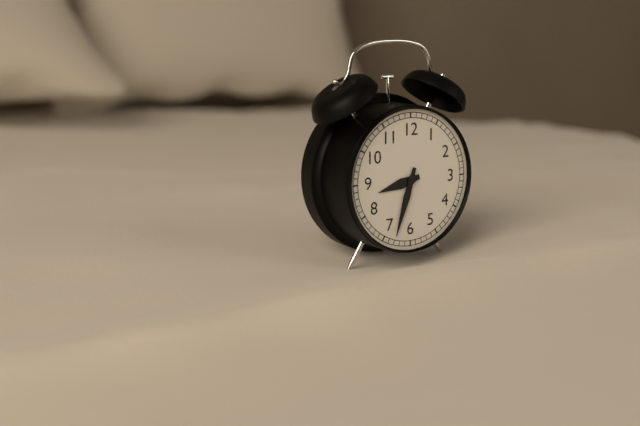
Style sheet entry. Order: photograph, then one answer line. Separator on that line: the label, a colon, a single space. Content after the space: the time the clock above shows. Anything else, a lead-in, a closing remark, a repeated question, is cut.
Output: 8:33
